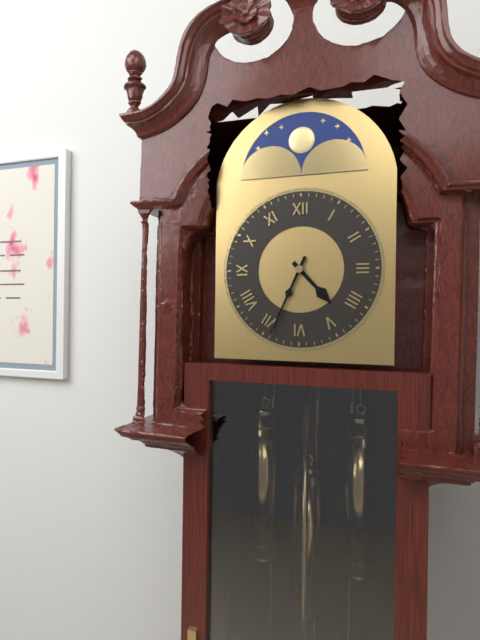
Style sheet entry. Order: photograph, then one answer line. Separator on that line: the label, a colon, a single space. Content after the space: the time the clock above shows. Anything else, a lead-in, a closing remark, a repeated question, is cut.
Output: 4:34
